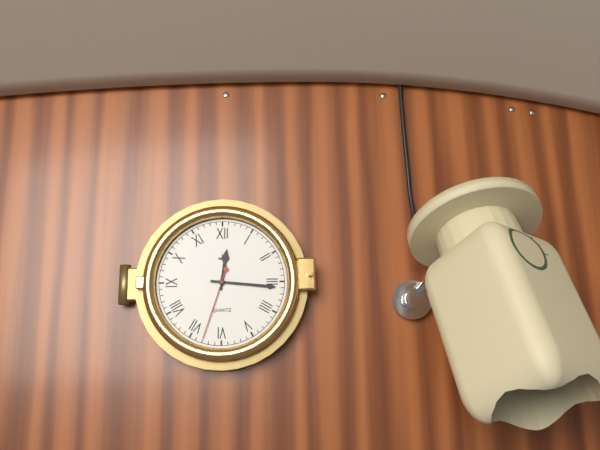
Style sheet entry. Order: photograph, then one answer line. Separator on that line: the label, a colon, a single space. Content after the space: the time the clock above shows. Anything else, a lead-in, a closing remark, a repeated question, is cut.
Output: 12:16:33
